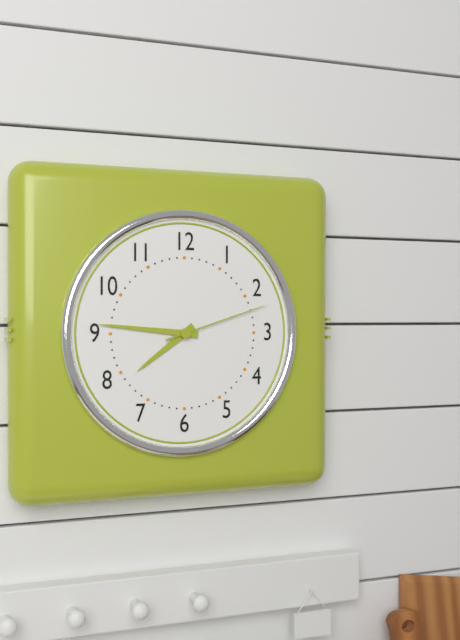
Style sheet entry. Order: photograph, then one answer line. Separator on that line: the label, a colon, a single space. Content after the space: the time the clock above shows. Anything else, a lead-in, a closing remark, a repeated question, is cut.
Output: 7:46:12
